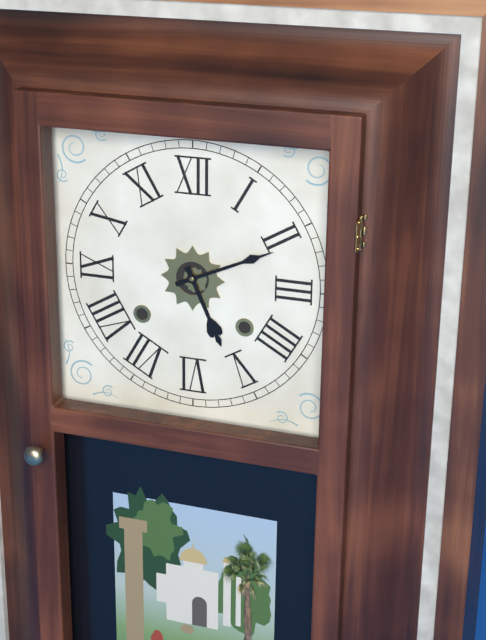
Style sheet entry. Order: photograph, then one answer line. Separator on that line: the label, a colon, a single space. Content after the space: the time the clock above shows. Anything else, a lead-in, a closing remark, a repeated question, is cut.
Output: 5:11
